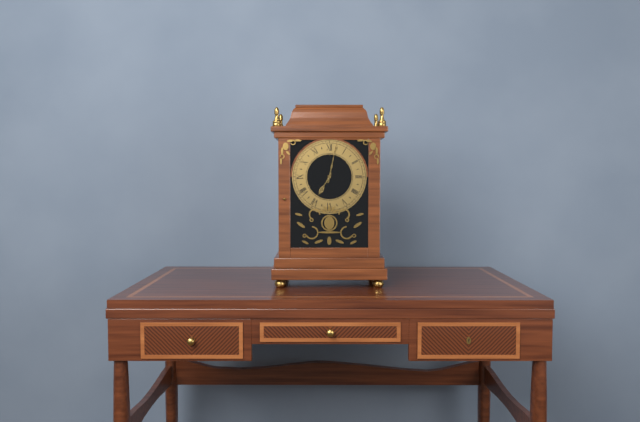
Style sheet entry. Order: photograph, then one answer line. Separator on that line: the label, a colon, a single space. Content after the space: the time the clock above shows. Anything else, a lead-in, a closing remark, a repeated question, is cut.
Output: 7:02
